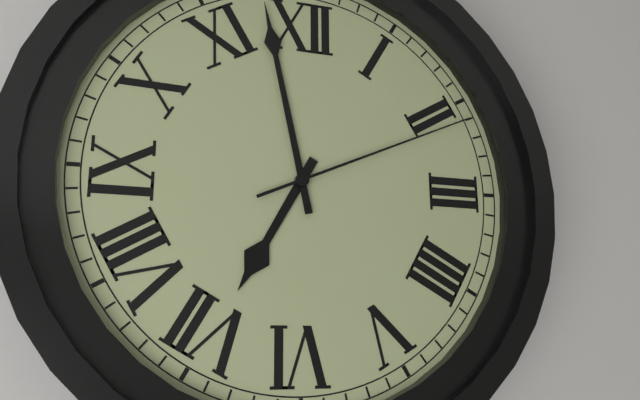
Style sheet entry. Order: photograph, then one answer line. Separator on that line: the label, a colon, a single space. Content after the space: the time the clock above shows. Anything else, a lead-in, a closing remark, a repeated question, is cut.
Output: 6:58:11
